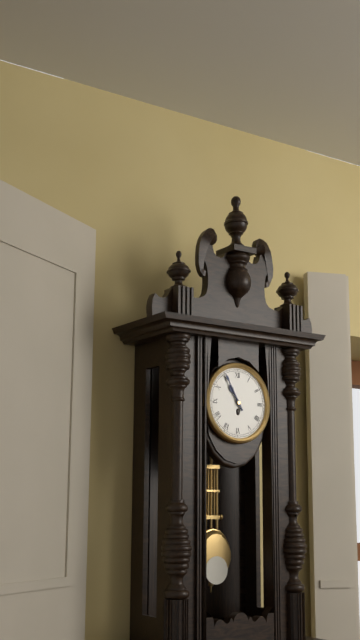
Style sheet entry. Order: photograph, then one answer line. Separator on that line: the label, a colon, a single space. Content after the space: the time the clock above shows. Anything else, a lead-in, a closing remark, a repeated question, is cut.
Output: 10:55
